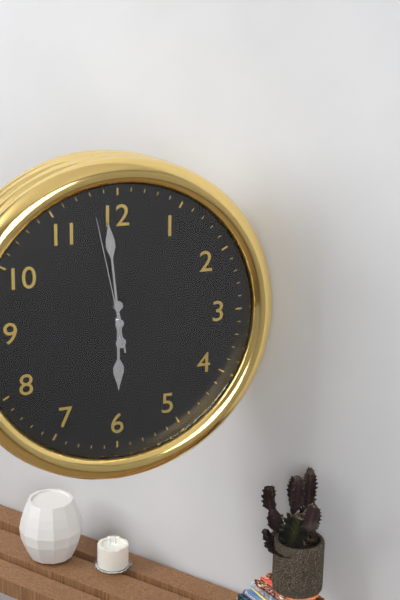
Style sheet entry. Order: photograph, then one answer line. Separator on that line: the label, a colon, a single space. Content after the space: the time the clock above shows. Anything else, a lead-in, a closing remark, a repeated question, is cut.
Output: 5:59:58
